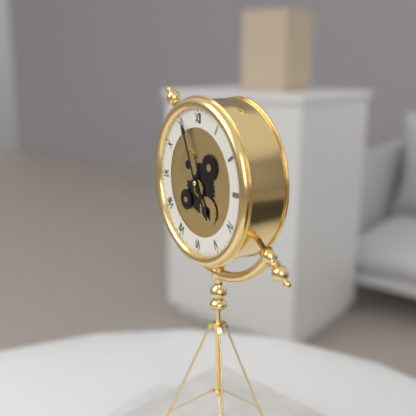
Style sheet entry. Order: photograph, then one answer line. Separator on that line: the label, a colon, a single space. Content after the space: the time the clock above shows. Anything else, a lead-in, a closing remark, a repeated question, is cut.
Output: 4:56
